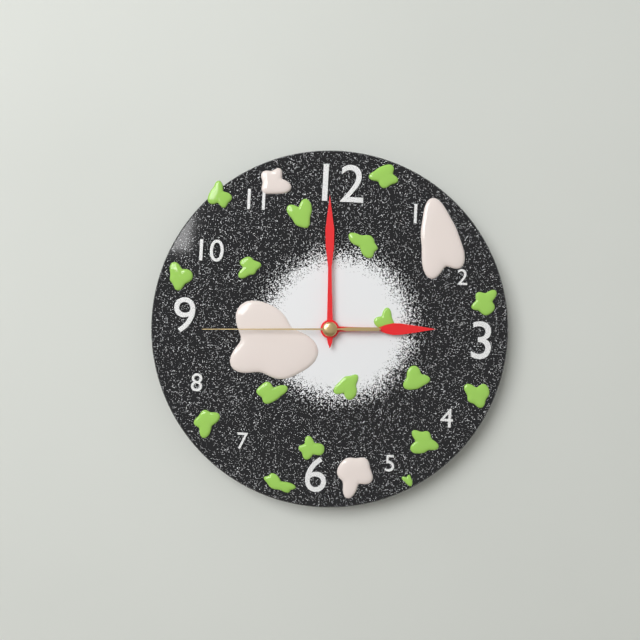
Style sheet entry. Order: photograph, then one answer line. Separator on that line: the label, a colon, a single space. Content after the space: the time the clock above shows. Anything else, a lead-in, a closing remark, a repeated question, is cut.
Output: 3:00:45
